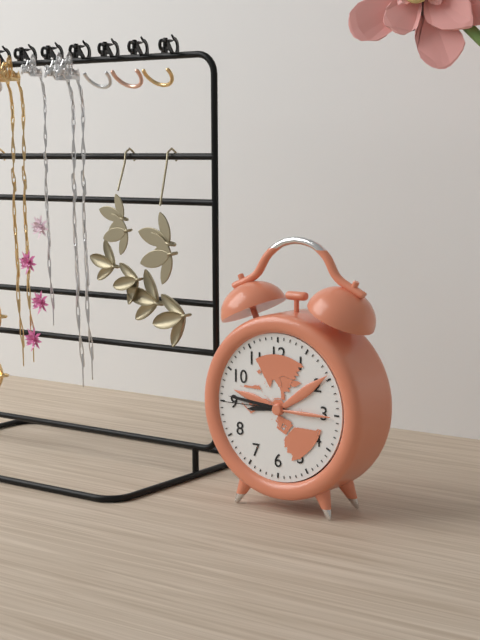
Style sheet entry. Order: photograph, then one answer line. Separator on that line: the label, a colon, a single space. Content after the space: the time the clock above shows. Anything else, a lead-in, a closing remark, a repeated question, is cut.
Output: 8:46:45
